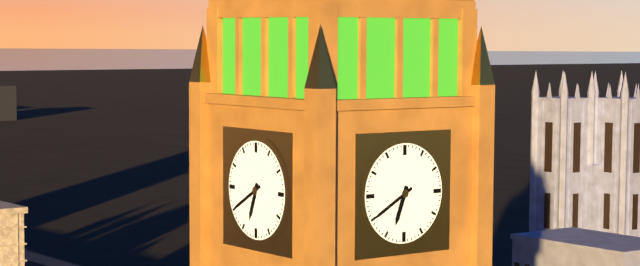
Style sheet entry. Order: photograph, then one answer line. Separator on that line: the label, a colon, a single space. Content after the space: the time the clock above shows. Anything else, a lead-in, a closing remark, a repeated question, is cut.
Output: 6:40
